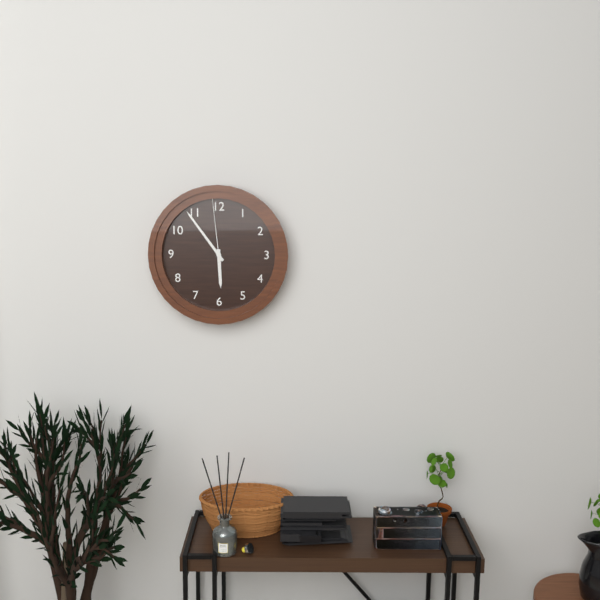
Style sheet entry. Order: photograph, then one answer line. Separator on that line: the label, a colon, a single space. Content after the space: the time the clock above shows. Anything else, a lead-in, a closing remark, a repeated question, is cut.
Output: 5:54:59
